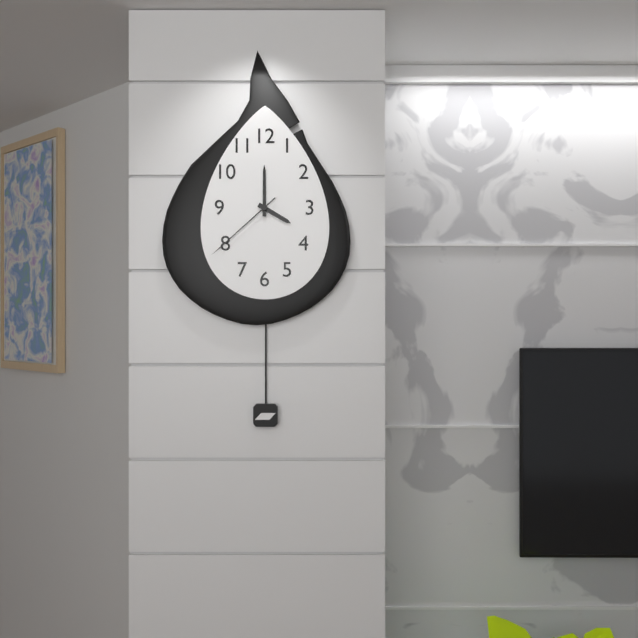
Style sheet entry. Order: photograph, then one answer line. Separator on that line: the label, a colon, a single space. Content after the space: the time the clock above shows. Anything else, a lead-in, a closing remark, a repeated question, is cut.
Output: 4:00:38
